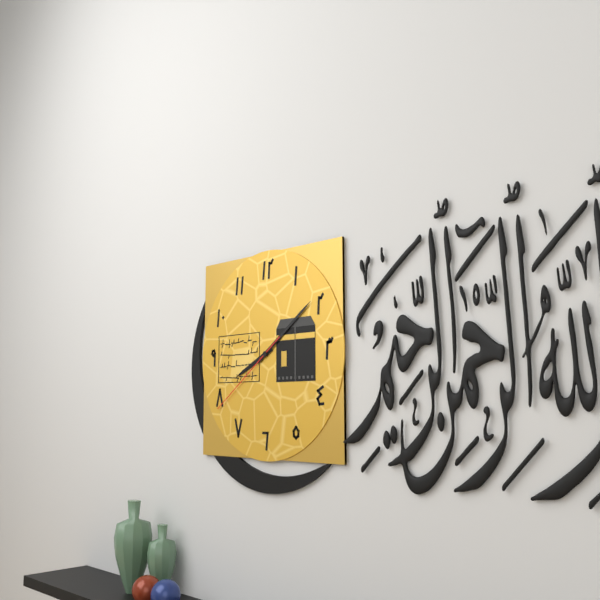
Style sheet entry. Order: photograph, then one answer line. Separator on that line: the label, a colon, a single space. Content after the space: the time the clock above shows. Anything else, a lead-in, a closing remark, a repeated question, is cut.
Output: 8:09:39
